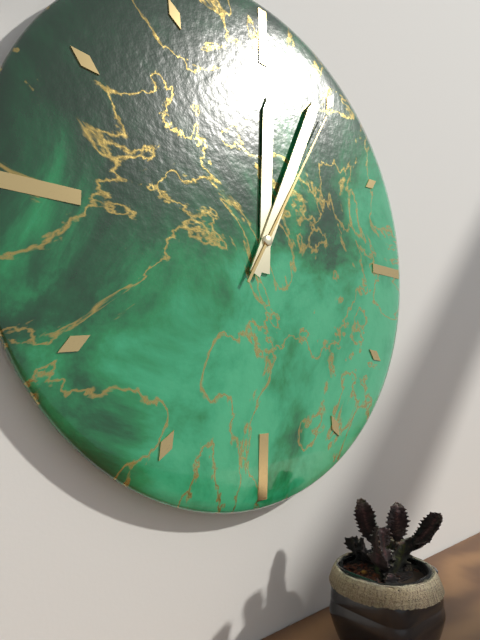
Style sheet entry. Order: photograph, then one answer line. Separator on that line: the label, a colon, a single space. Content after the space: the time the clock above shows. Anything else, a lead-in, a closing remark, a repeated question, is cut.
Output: 12:04:05
